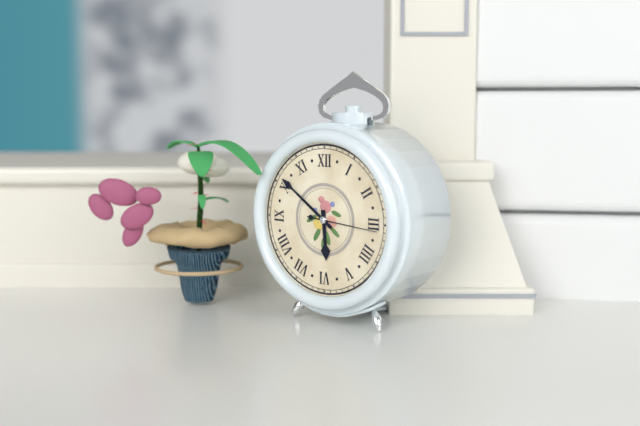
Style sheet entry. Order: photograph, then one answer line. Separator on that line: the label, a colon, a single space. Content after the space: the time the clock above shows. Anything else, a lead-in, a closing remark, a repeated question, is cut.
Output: 5:51:16
